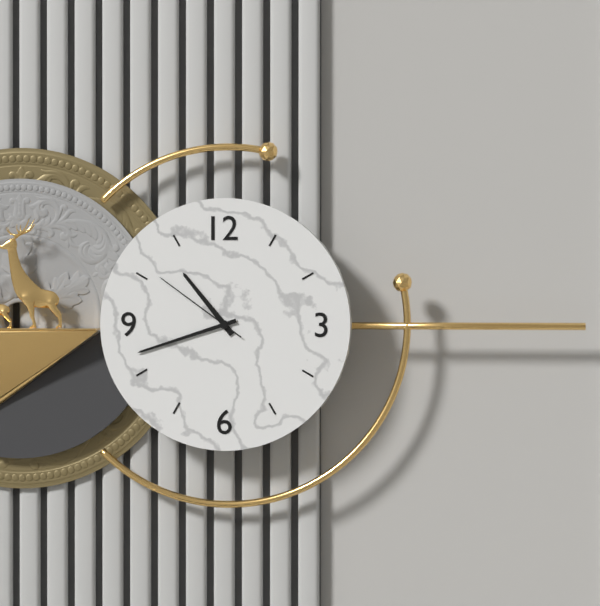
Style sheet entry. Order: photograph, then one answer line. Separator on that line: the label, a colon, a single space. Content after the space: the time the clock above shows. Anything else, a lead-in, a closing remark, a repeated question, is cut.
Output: 10:42:51
